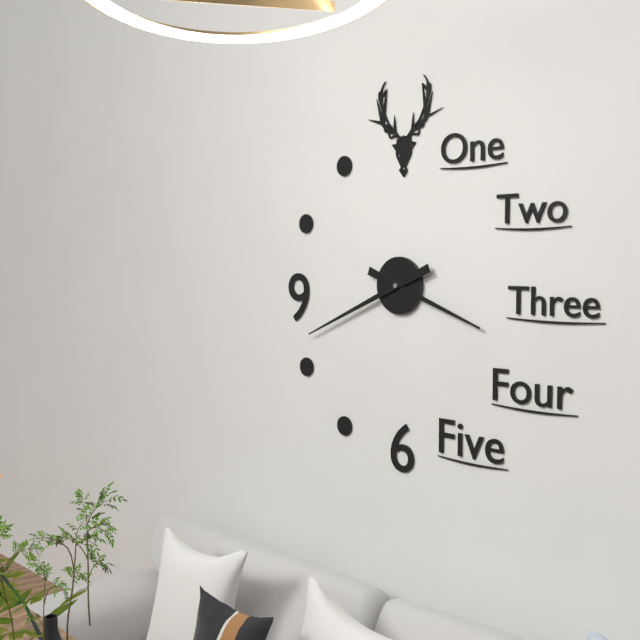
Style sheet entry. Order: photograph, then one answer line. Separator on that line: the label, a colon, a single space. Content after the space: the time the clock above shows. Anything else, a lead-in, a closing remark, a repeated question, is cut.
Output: 3:41
